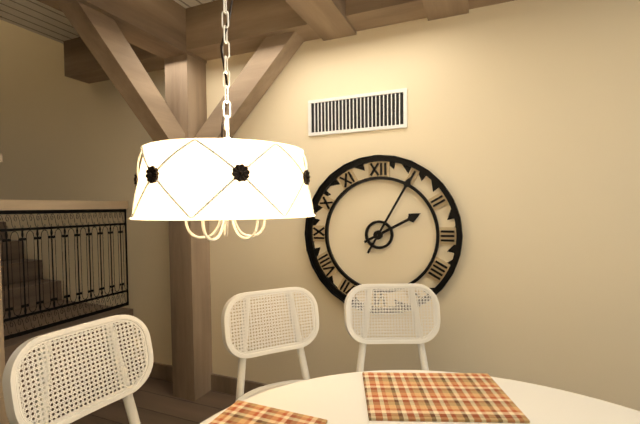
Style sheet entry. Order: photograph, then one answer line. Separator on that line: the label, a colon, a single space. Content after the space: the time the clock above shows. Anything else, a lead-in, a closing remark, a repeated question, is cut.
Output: 2:05
